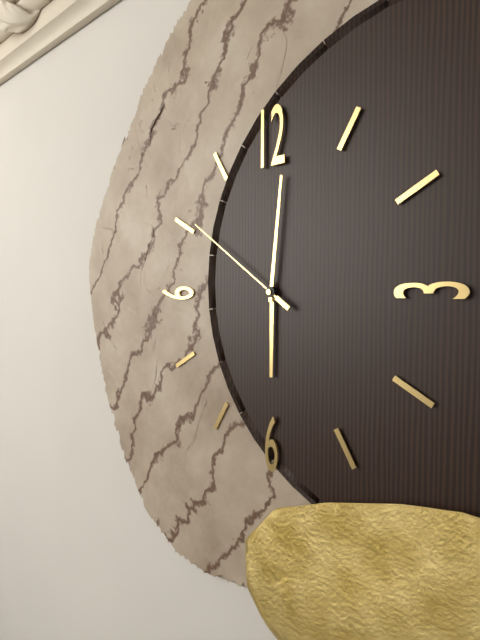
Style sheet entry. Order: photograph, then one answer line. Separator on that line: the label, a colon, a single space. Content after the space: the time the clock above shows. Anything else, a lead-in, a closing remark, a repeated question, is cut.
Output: 6:01:51
